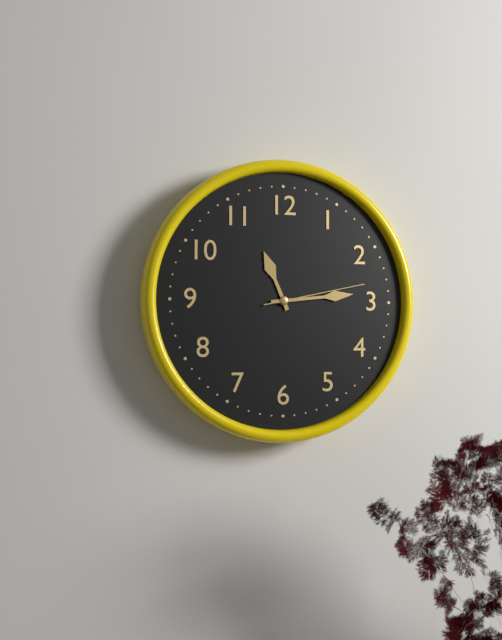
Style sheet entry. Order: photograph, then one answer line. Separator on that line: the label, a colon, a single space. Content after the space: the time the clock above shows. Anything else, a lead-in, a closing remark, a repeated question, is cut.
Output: 11:14:13
